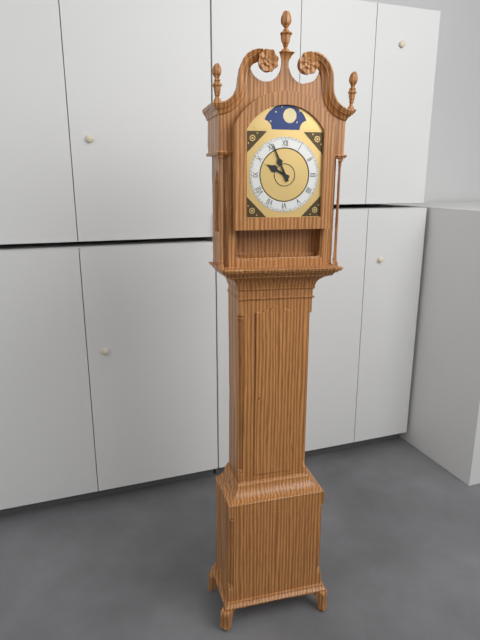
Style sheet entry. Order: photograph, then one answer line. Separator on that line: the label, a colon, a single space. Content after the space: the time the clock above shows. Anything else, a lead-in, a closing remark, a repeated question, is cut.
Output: 9:56
